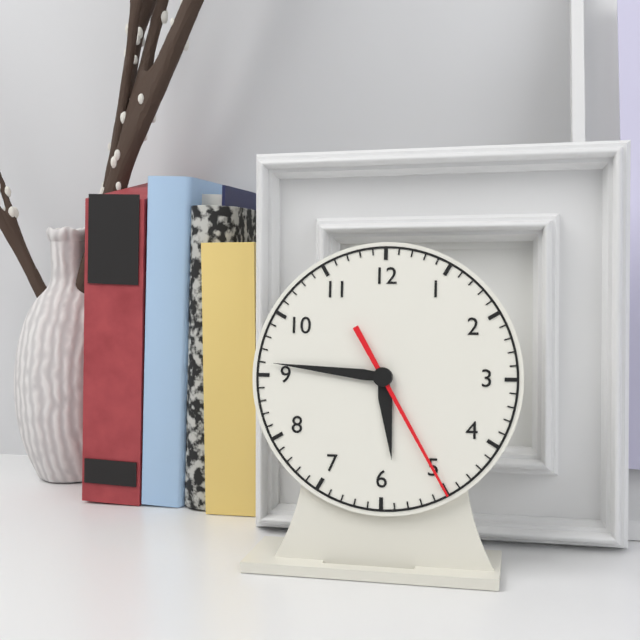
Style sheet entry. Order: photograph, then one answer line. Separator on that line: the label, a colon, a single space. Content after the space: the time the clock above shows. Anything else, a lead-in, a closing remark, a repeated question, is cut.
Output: 5:46:25
